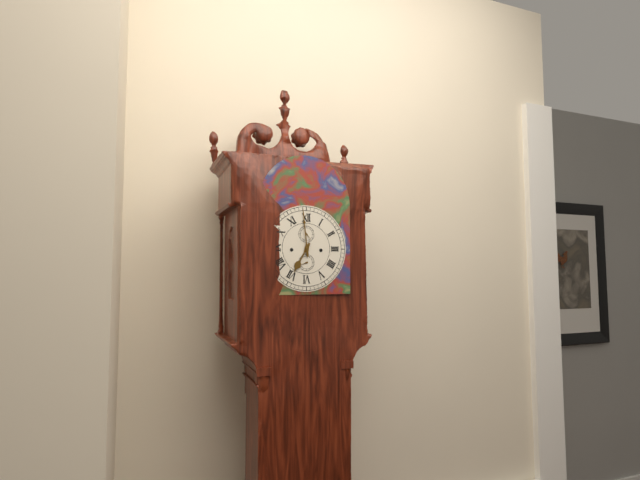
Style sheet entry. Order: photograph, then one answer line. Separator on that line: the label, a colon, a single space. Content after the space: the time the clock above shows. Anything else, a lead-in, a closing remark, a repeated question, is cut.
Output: 6:59
